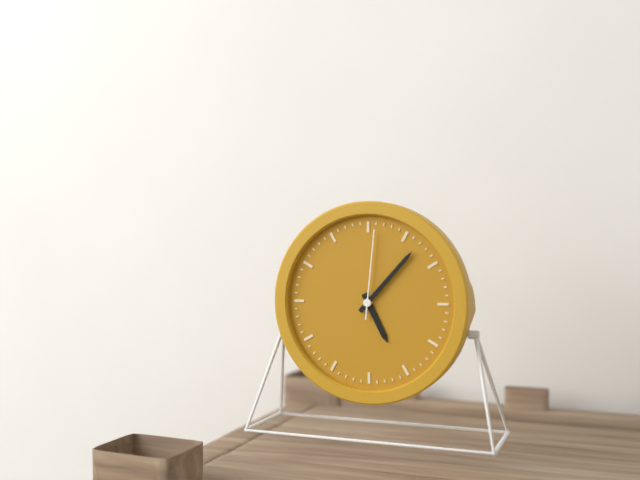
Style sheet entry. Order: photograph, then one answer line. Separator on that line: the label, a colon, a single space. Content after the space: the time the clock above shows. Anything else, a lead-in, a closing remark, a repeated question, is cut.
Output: 5:07:01
